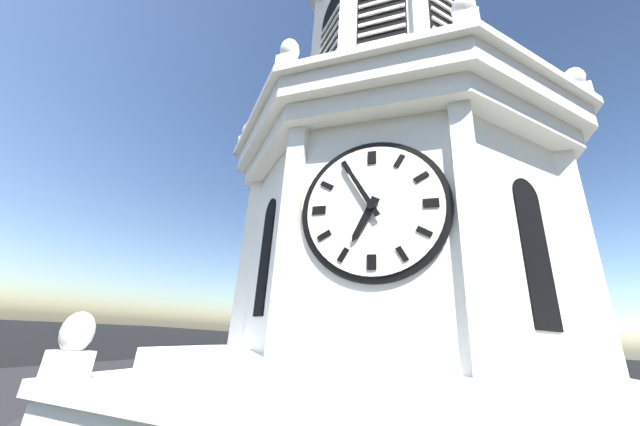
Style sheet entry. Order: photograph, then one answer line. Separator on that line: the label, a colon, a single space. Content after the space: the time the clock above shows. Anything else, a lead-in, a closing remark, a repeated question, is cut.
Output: 6:55
